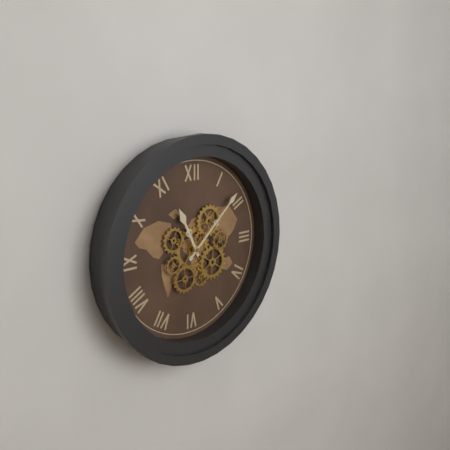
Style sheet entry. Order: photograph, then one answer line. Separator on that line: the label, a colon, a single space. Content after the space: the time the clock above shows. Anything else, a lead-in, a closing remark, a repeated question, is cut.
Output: 11:08
